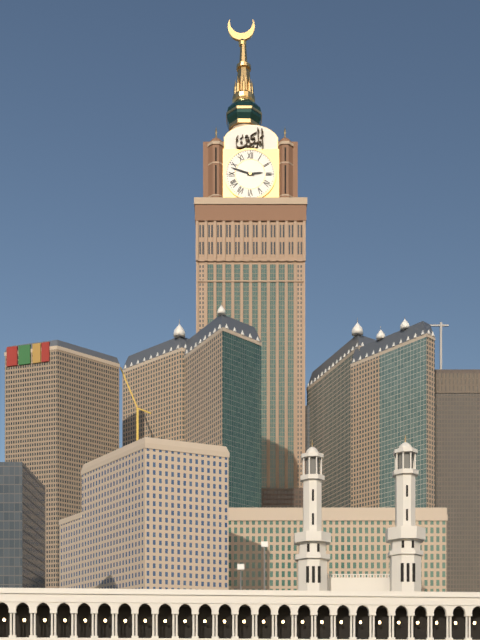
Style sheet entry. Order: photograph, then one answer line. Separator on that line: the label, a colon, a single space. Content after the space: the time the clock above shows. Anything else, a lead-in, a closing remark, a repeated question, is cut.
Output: 2:48
